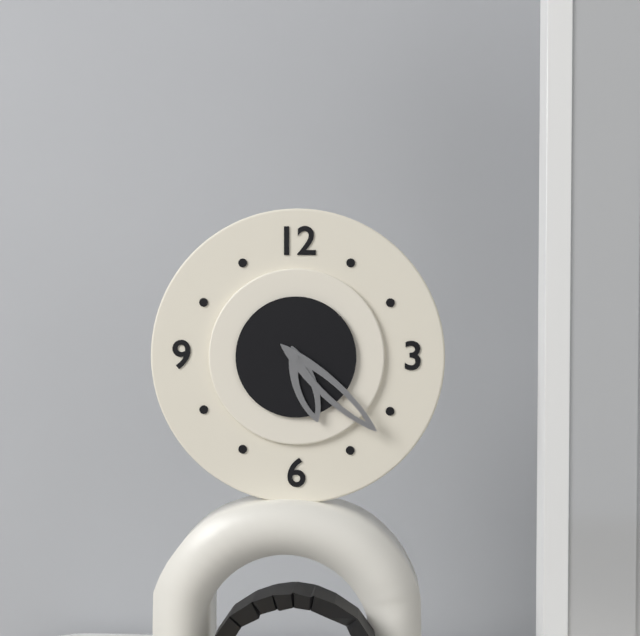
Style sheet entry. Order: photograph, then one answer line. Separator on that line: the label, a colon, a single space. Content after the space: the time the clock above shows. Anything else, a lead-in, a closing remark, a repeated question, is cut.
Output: 5:22
